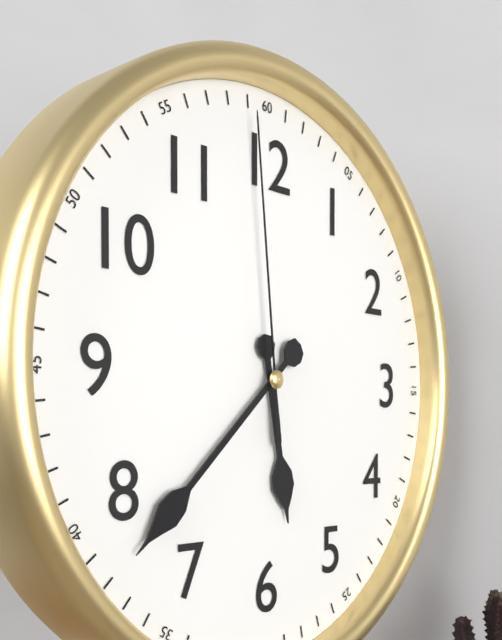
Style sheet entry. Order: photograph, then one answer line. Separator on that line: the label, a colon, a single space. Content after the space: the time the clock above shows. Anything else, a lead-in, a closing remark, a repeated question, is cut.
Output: 5:38:59
